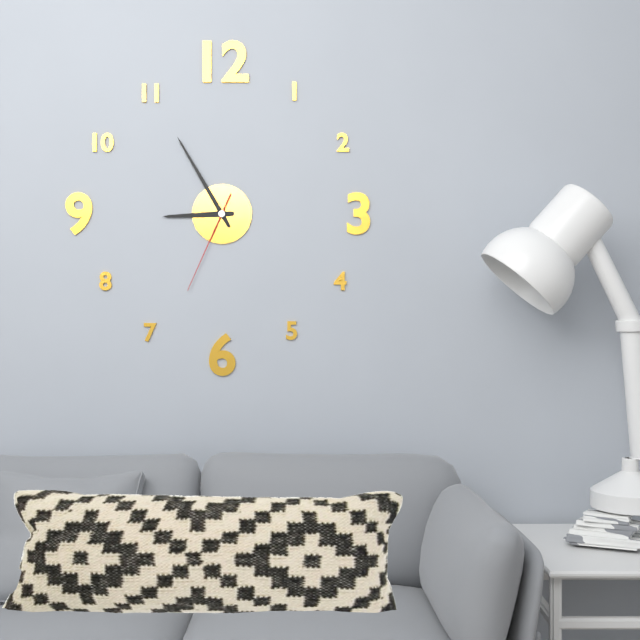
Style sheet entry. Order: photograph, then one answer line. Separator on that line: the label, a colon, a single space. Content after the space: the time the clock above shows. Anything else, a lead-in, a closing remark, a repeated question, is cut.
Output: 8:55:34
